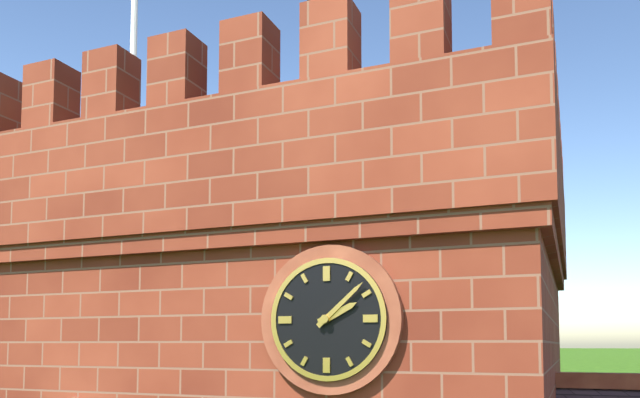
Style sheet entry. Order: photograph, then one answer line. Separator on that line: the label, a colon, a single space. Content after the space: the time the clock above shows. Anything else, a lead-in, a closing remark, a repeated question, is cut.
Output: 2:08
